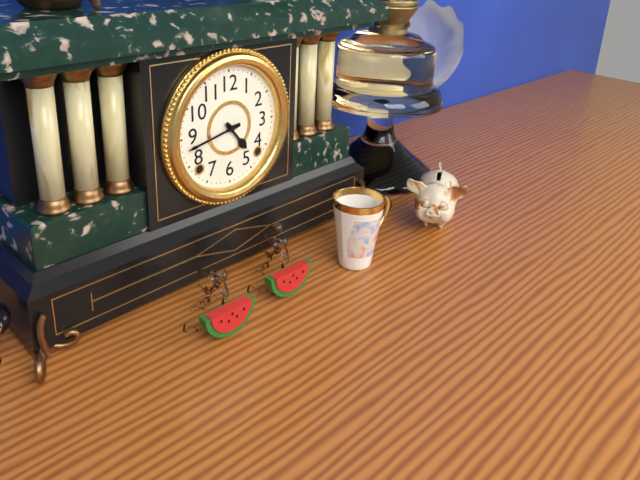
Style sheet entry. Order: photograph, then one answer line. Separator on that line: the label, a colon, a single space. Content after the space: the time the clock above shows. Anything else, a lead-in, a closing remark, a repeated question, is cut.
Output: 4:43
